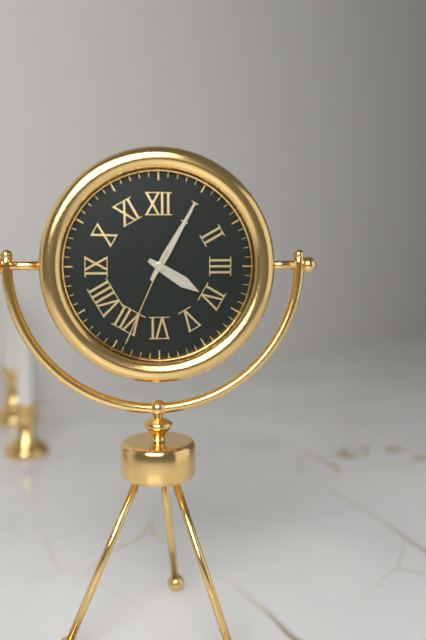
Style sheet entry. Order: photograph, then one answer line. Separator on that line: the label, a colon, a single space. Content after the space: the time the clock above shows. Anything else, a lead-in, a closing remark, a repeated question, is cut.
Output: 4:05:34
